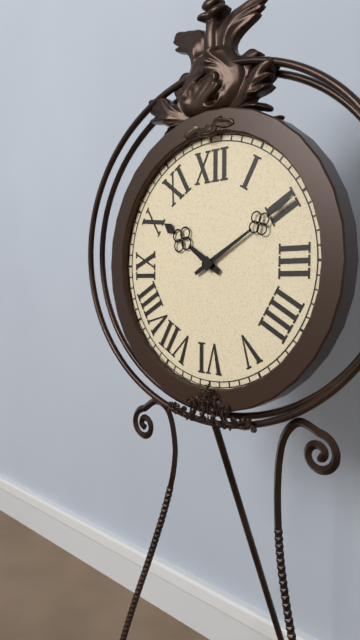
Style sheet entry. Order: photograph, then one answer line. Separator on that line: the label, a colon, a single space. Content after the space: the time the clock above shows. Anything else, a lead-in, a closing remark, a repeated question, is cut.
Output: 10:10
